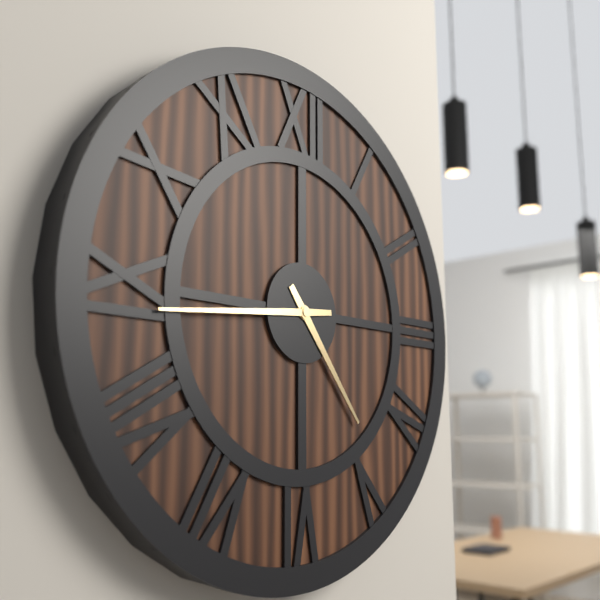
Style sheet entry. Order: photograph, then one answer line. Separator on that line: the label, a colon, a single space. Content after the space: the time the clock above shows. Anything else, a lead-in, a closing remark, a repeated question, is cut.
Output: 4:44
